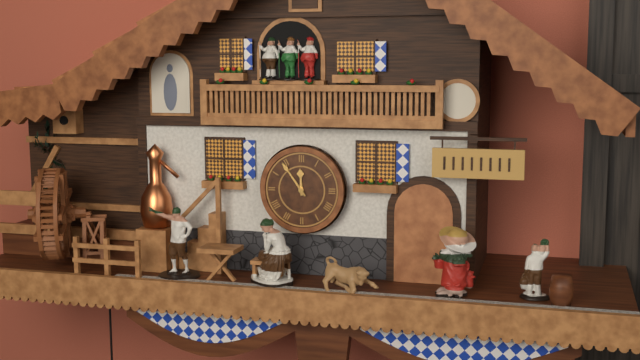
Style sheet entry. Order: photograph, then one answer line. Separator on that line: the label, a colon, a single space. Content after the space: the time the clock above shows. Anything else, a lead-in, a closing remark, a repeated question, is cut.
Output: 11:54
